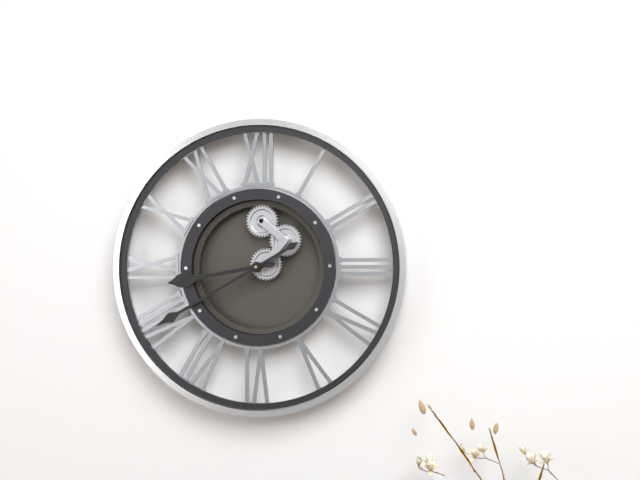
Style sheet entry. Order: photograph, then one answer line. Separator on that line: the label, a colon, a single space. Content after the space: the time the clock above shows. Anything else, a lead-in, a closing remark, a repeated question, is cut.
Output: 8:40
